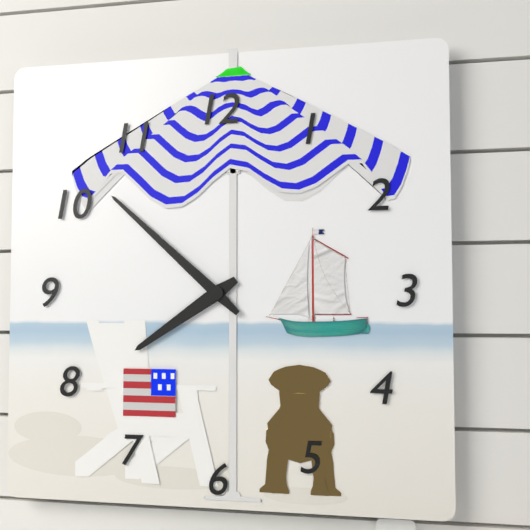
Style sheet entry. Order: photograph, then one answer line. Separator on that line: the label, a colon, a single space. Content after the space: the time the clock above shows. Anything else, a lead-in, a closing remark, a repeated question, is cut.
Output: 7:52
